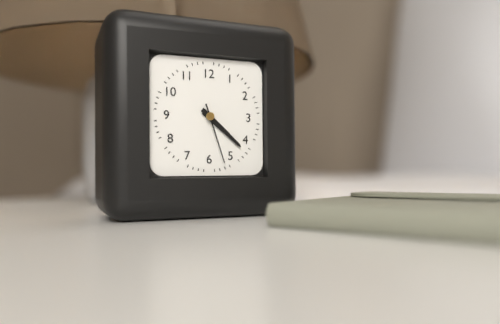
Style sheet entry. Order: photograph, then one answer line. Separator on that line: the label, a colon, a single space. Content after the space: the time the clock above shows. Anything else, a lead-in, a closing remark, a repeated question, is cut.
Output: 4:22:27
